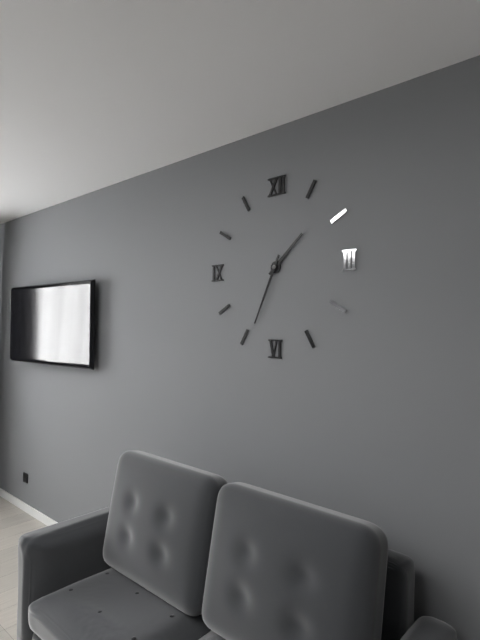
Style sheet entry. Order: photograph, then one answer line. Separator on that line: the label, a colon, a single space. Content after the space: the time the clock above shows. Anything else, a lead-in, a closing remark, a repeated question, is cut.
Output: 1:34
